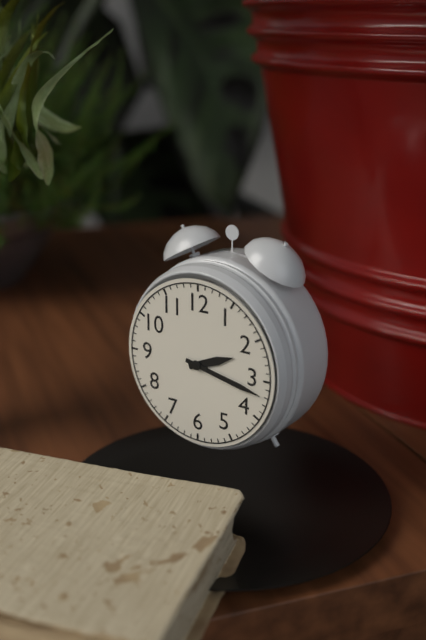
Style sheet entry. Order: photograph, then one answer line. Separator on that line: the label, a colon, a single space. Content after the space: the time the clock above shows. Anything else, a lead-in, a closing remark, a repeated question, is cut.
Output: 2:17
